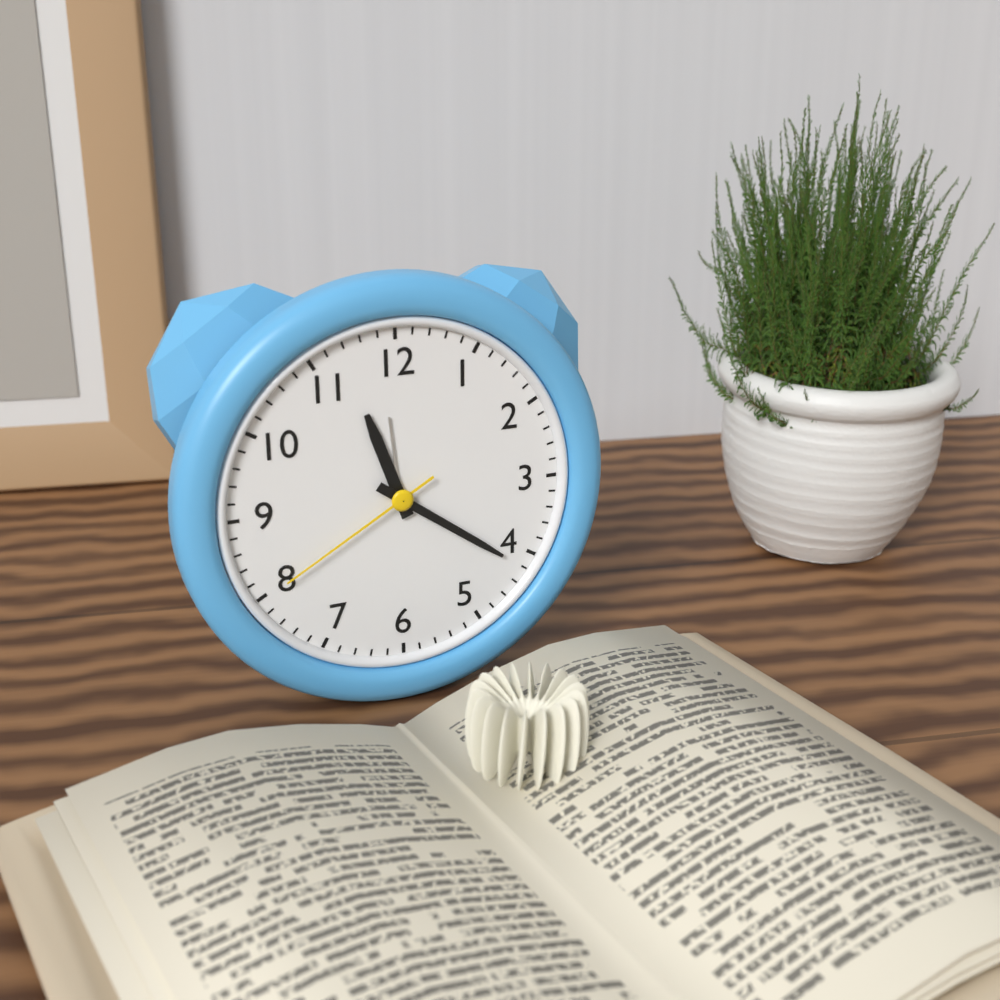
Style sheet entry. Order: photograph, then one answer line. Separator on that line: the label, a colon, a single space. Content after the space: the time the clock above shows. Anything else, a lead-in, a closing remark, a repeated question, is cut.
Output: 11:21:40
